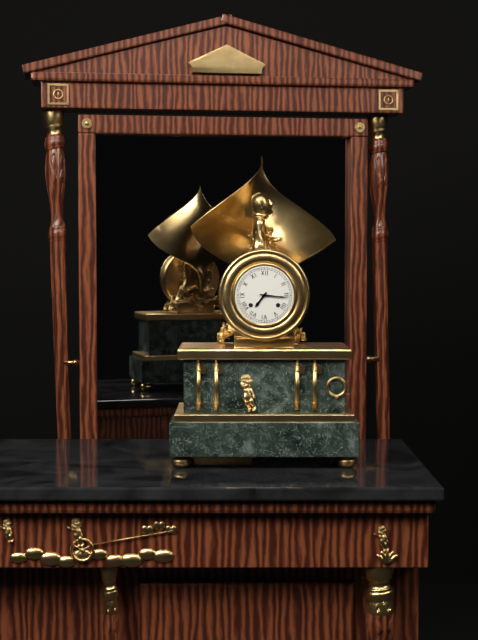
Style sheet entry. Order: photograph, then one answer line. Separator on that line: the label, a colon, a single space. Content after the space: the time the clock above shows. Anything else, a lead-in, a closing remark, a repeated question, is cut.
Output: 7:16
